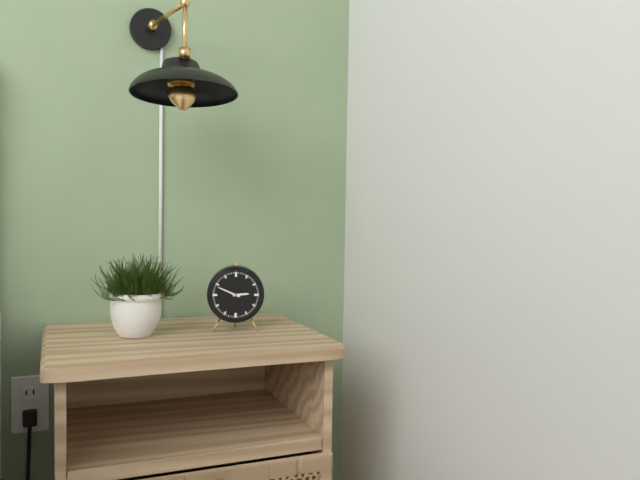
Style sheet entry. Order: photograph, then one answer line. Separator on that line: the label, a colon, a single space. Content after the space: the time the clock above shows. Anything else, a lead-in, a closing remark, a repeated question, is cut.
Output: 2:49
